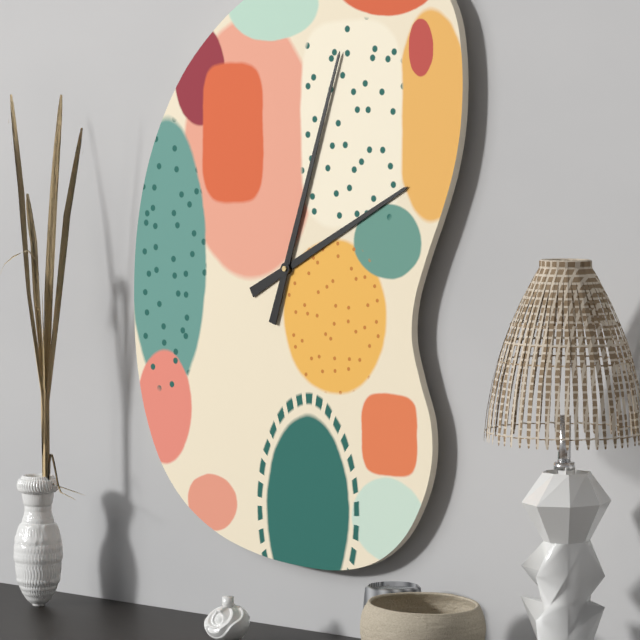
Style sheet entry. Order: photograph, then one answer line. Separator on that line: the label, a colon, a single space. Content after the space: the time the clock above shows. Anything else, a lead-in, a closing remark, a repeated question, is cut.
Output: 2:03
